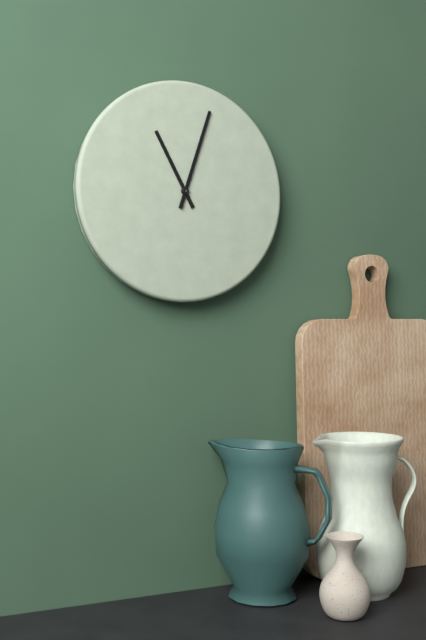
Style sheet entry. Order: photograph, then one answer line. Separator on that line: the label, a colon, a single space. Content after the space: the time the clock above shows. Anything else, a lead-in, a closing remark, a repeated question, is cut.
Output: 11:03
